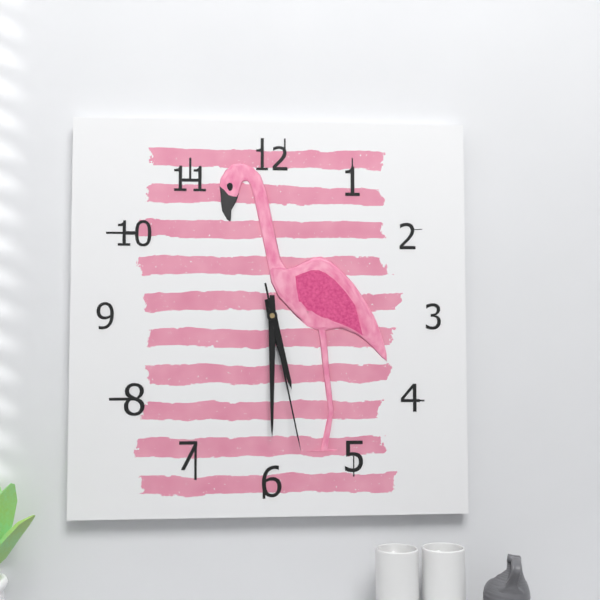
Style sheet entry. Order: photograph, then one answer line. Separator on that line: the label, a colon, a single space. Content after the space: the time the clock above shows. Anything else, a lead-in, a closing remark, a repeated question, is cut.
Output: 5:30:28
